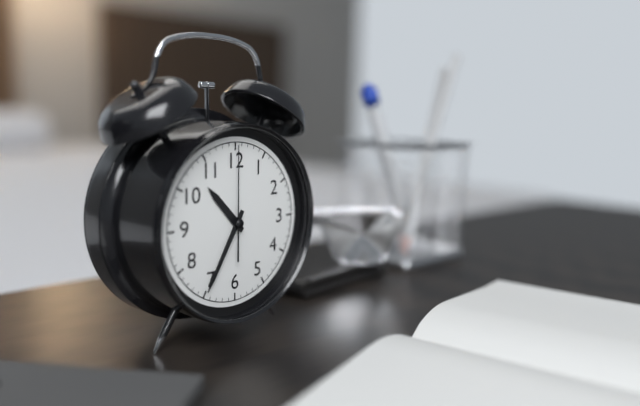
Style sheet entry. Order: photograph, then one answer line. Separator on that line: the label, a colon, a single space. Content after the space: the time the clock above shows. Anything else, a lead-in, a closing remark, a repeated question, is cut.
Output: 10:35:00
